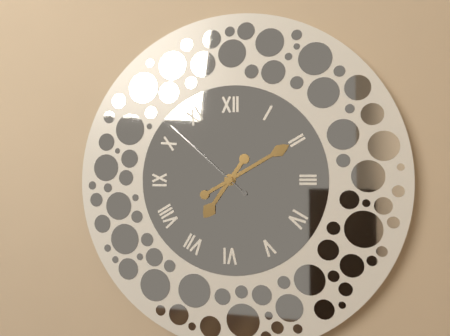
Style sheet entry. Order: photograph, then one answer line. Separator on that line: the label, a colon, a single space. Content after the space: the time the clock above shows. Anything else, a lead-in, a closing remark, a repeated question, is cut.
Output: 7:10:52
